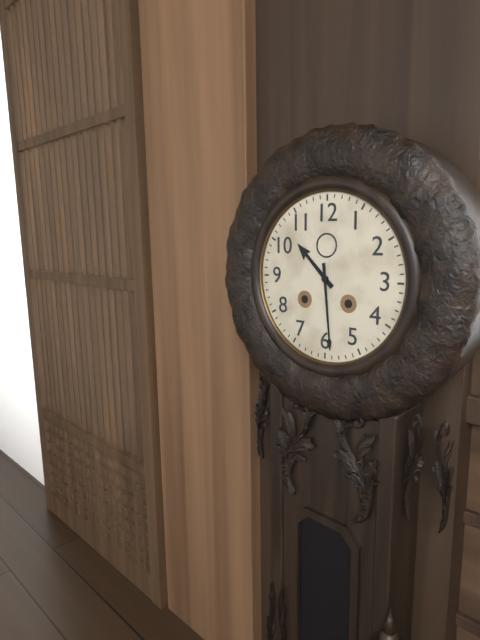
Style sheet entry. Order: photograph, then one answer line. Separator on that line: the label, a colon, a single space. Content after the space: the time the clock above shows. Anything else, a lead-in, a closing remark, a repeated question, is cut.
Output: 10:29
